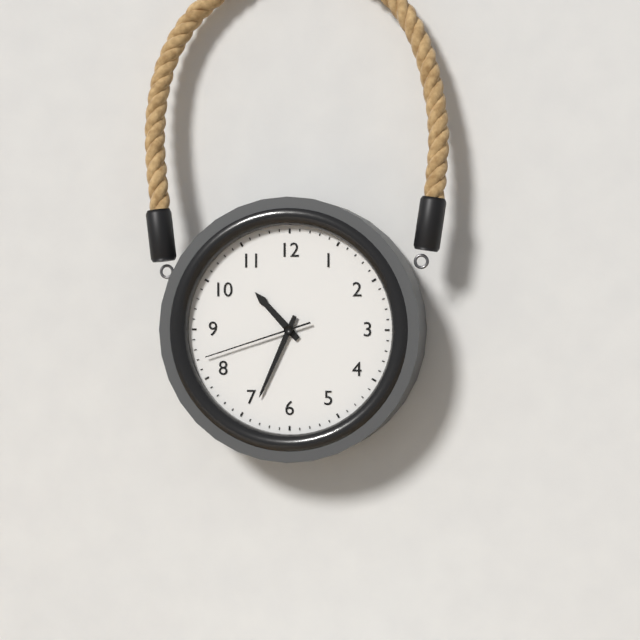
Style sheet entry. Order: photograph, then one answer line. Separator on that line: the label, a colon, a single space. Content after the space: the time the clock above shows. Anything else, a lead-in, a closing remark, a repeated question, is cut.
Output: 10:34:42
